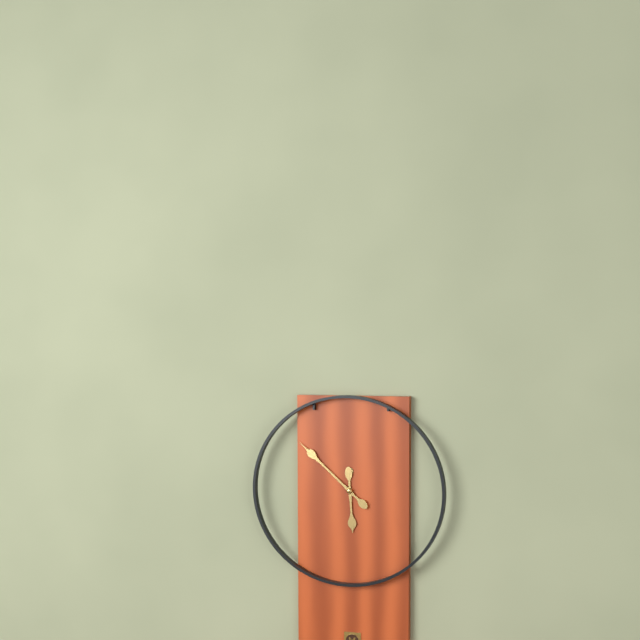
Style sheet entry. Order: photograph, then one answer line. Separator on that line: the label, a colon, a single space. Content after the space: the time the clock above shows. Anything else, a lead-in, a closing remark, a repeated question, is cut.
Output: 5:52
